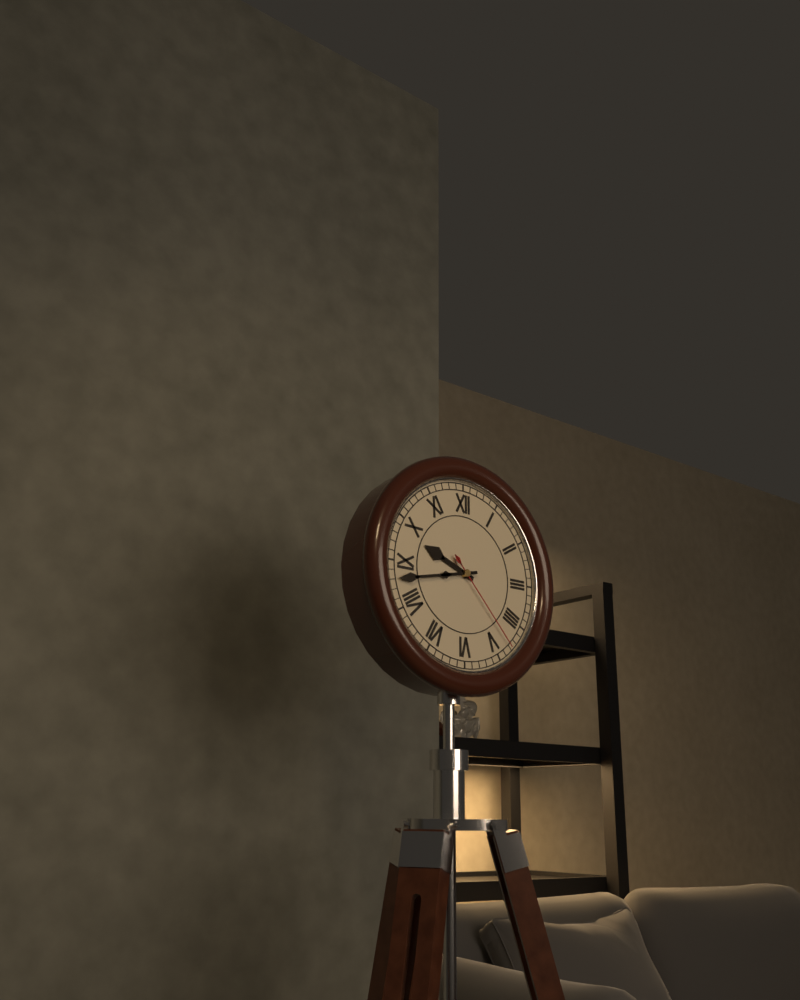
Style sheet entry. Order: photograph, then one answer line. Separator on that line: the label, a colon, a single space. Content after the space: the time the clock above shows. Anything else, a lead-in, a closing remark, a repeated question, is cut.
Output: 9:43:23
